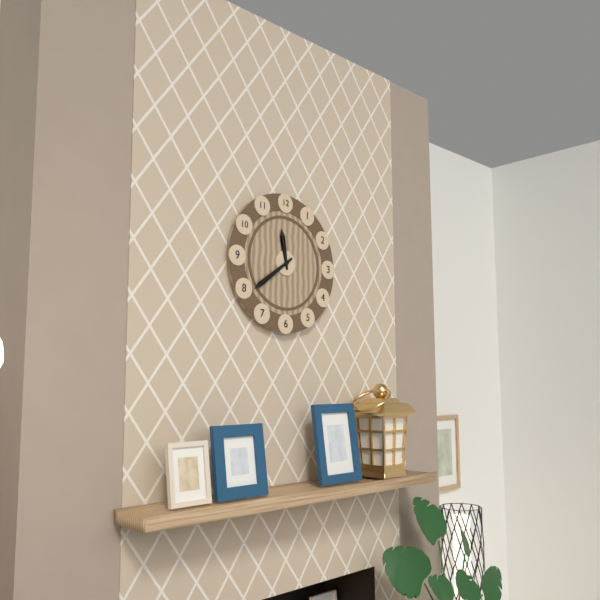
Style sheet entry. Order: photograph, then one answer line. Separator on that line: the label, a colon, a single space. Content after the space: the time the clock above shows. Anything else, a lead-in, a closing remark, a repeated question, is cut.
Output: 11:39
